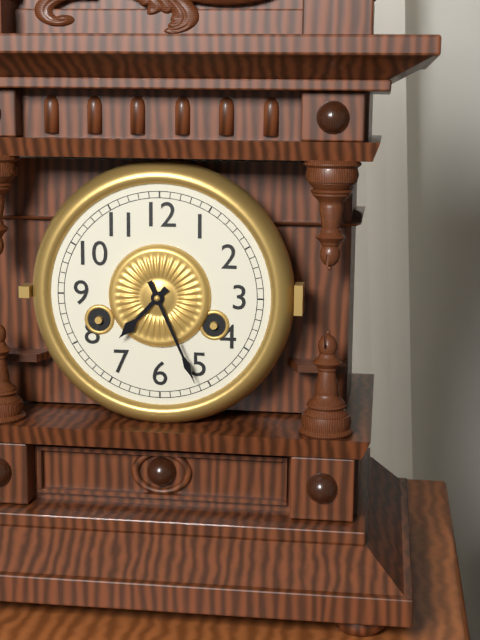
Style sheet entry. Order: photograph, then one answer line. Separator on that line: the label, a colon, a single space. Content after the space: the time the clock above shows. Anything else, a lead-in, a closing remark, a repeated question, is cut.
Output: 7:26
